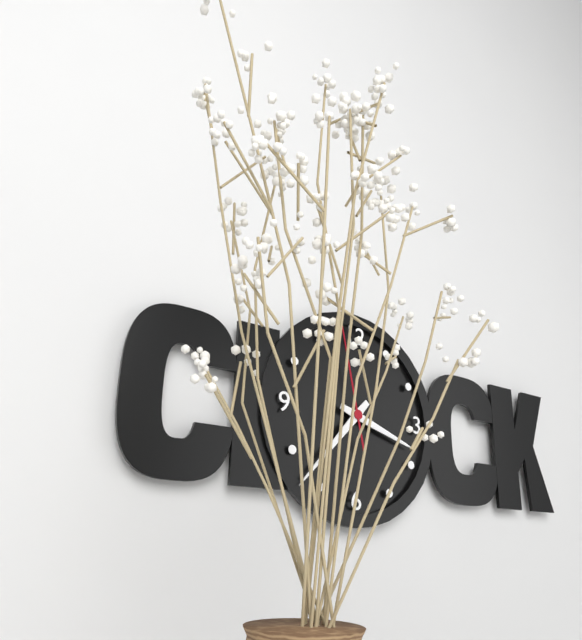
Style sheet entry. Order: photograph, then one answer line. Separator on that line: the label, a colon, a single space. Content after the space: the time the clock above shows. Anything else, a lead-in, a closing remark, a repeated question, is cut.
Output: 3:37:58
